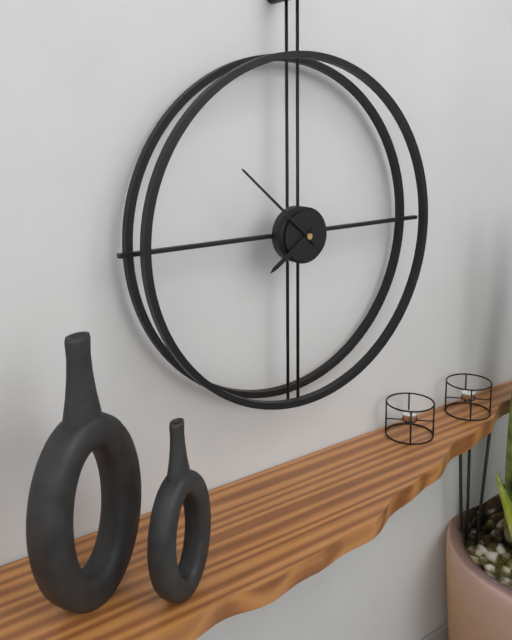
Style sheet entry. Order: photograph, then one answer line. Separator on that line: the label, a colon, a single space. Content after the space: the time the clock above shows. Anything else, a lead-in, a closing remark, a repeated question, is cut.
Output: 7:52
